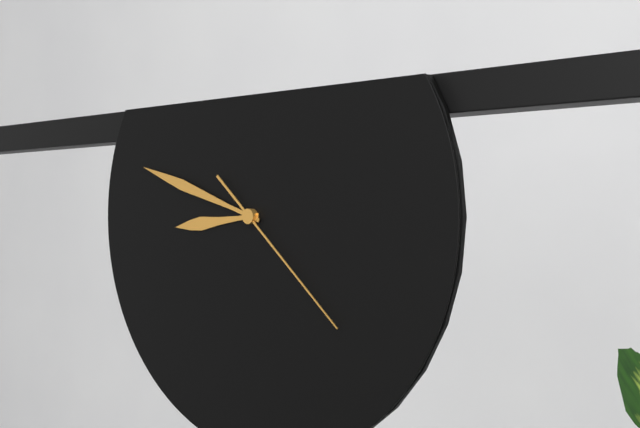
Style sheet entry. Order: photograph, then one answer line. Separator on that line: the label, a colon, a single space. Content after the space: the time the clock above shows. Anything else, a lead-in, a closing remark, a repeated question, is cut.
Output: 8:48:22
